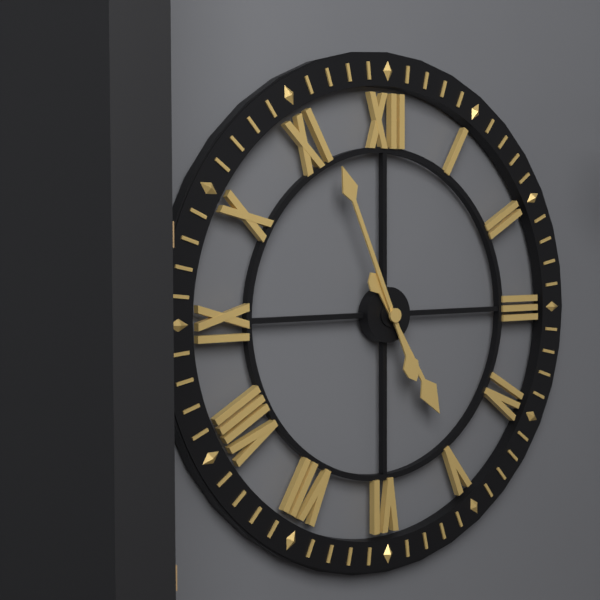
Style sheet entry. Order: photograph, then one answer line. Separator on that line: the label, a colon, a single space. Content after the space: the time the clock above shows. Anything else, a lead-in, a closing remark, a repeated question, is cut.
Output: 4:56
